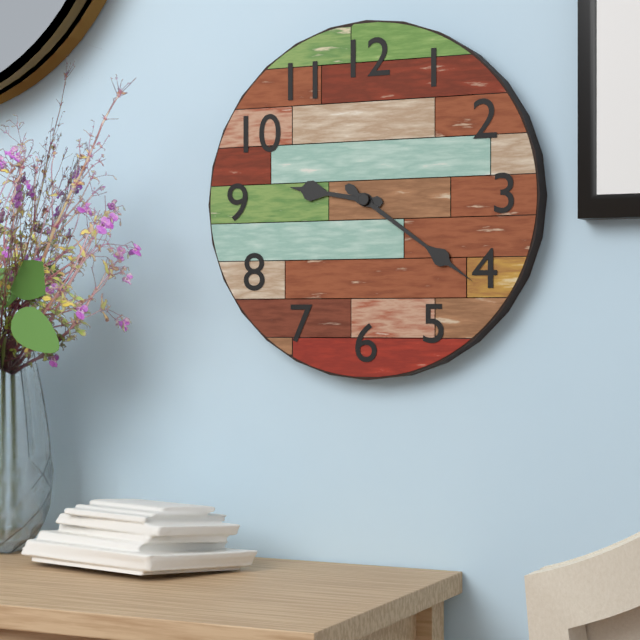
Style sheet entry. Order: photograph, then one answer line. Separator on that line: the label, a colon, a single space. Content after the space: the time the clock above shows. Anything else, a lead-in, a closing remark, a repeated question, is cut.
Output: 9:21
